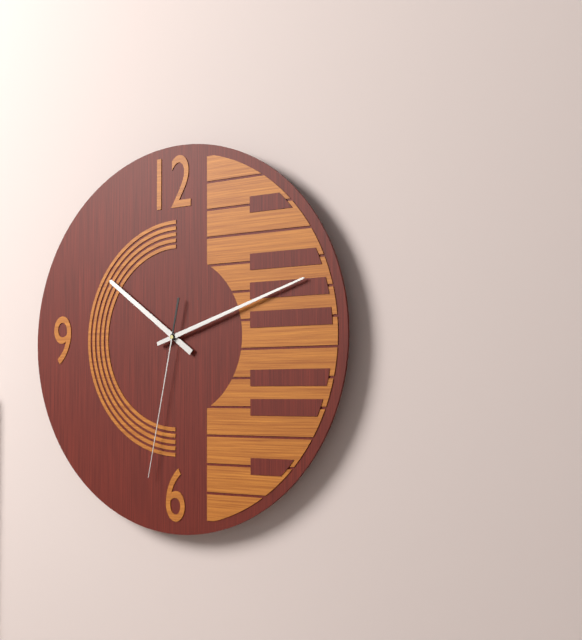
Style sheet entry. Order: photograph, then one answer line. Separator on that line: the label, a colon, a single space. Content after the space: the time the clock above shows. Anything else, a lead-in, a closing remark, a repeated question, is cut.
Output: 10:12:32
